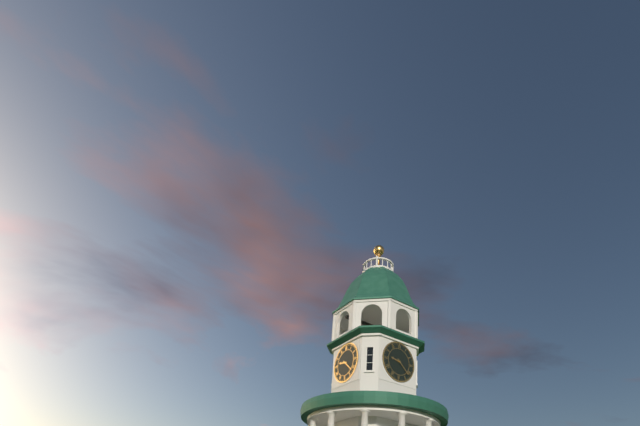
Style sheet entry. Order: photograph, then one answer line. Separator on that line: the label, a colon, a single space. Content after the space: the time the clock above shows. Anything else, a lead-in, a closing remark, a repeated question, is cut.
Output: 9:22
